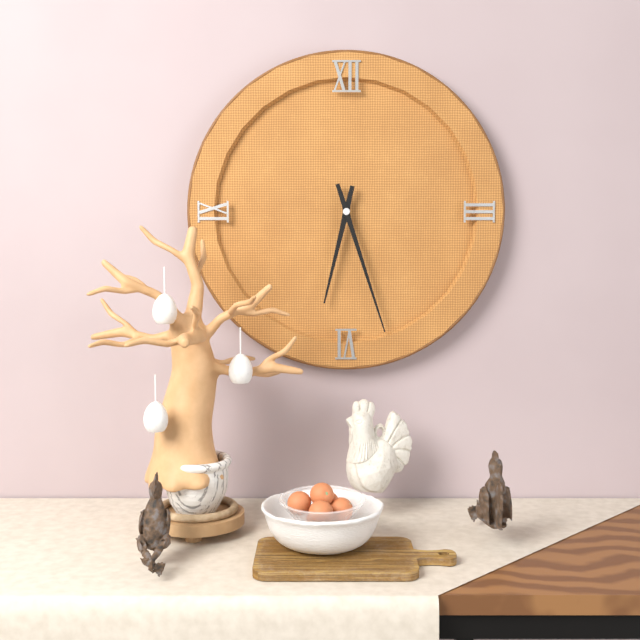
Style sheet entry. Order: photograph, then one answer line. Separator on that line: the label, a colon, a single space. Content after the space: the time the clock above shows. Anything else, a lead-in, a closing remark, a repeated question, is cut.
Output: 6:27
